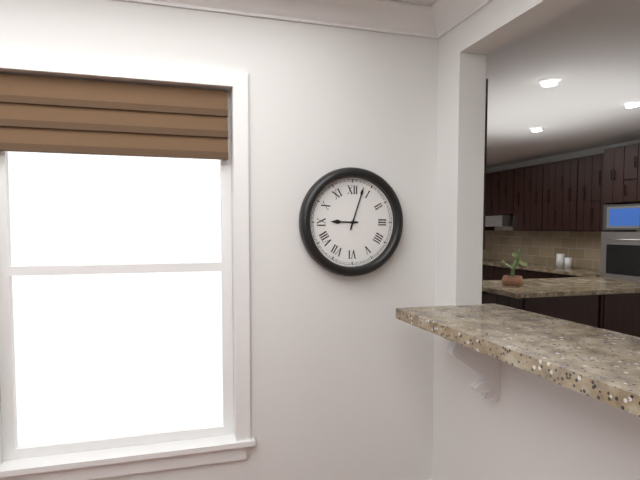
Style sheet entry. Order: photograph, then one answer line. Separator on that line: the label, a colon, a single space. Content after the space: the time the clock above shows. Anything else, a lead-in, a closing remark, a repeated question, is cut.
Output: 9:03
